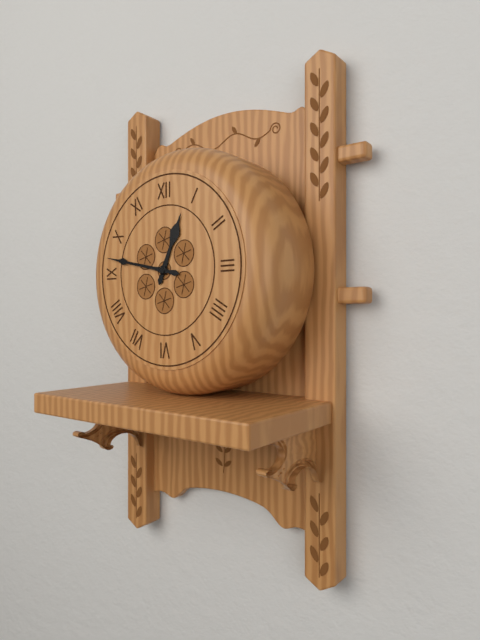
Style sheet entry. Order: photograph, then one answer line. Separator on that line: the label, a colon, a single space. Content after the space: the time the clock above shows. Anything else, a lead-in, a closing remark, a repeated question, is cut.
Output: 12:47
